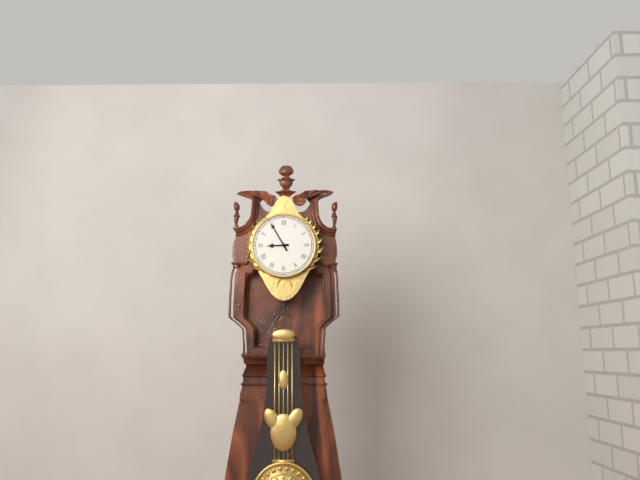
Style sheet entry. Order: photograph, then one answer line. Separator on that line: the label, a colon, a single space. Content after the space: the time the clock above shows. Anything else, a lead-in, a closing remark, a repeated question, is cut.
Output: 8:55
